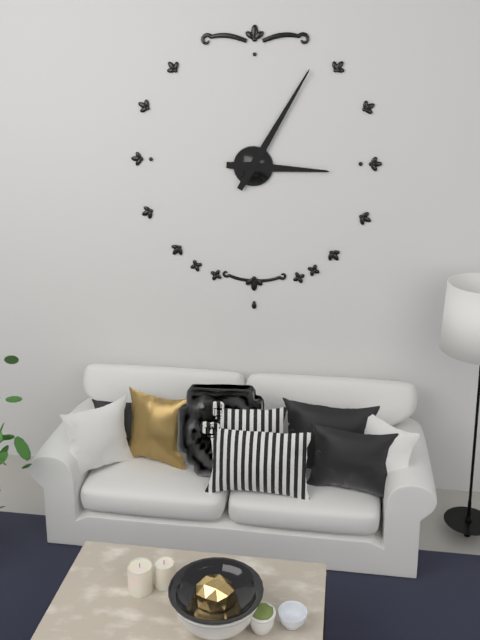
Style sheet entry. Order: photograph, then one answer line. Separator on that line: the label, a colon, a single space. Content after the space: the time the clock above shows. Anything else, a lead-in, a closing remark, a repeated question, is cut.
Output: 3:05
